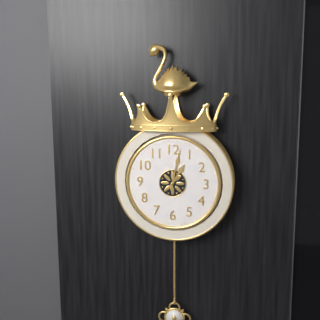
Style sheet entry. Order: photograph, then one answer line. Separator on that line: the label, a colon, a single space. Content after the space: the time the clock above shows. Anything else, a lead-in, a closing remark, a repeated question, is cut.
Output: 1:02
